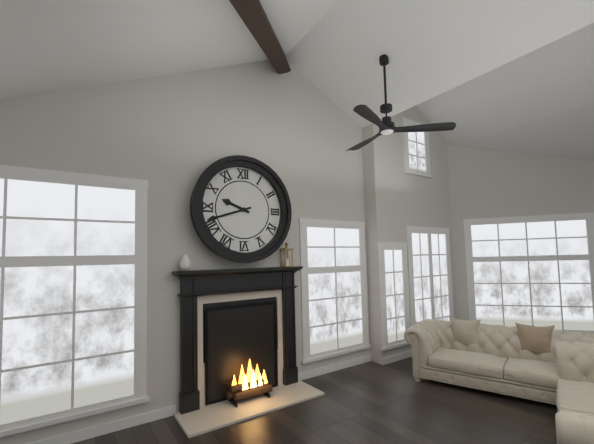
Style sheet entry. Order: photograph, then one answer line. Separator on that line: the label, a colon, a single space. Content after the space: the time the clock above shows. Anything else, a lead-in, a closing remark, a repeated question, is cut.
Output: 9:42
